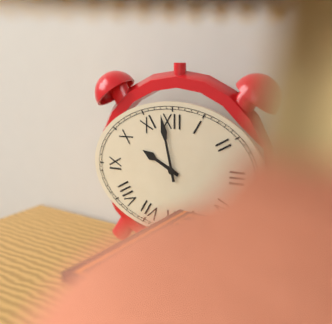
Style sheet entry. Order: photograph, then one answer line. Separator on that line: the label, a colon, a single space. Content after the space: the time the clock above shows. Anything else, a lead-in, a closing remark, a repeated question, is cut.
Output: 9:58
